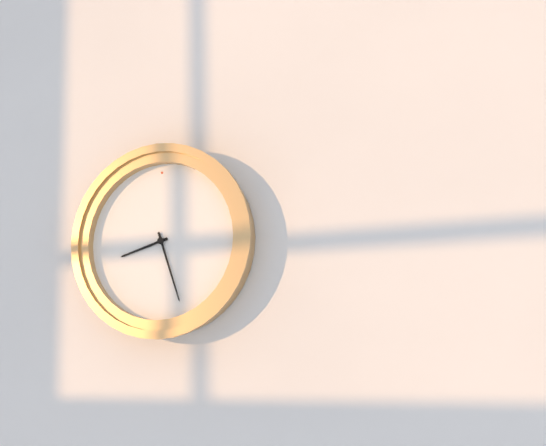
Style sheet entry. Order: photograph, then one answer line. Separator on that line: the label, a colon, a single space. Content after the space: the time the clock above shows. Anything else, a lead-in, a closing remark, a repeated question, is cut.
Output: 8:27
